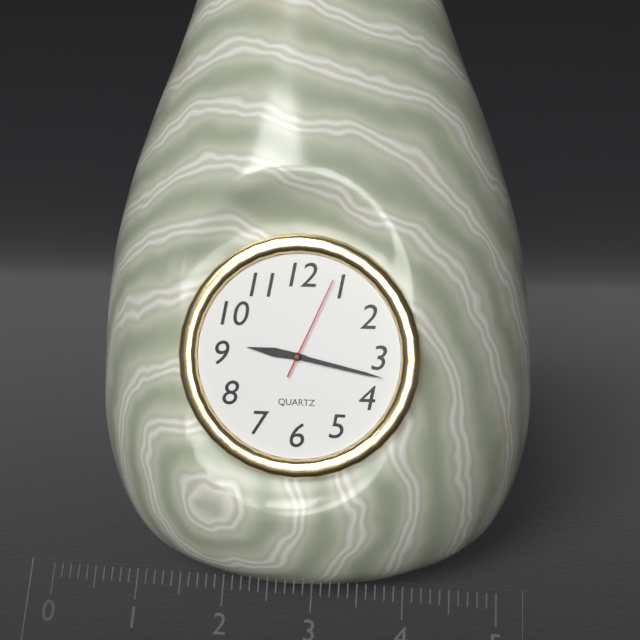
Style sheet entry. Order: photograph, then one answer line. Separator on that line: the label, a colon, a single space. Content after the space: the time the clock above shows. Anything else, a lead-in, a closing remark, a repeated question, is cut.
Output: 9:17:04
